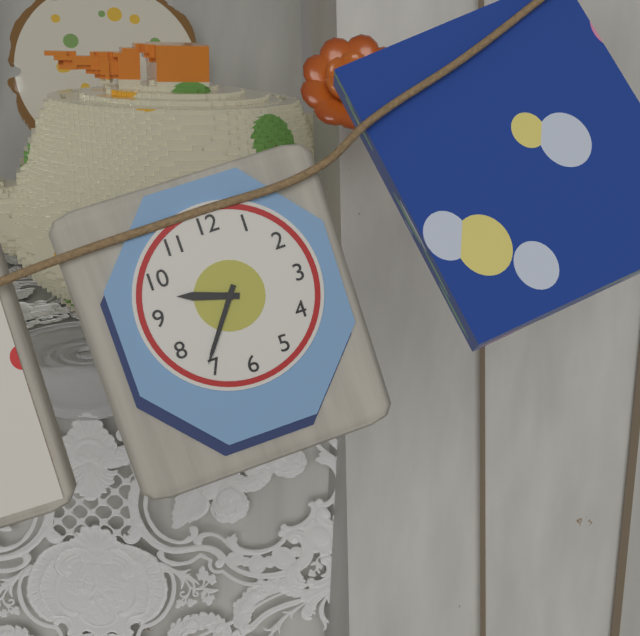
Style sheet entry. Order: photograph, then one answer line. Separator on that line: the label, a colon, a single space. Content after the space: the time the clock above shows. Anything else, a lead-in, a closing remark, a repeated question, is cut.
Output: 9:36
